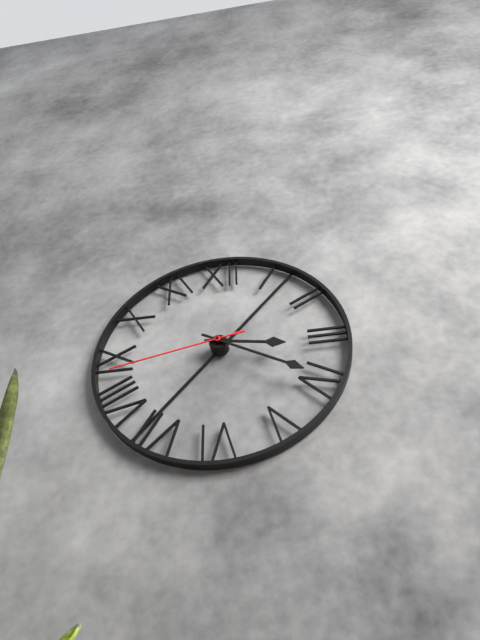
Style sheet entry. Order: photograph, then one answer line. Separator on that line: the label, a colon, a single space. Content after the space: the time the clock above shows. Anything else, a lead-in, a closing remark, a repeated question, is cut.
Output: 3:20:43
